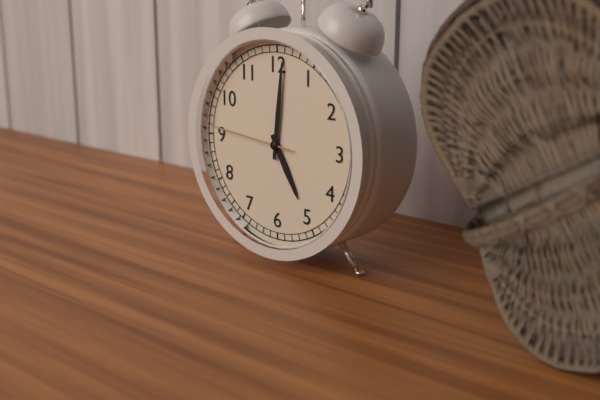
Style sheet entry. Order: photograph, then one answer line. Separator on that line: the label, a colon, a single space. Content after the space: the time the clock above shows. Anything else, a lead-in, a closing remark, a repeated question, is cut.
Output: 5:01:46
